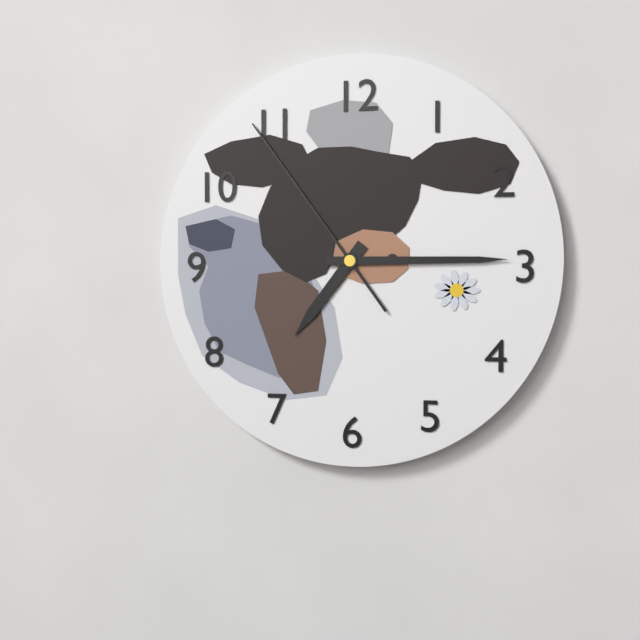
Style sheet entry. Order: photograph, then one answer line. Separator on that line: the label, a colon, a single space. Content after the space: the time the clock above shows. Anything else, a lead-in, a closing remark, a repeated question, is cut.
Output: 7:15:54
